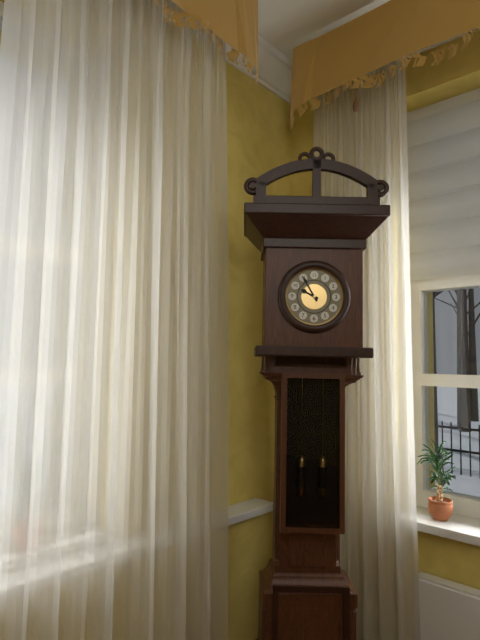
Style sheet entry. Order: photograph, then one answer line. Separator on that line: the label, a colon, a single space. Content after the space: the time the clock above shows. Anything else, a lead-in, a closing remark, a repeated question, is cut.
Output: 9:55
